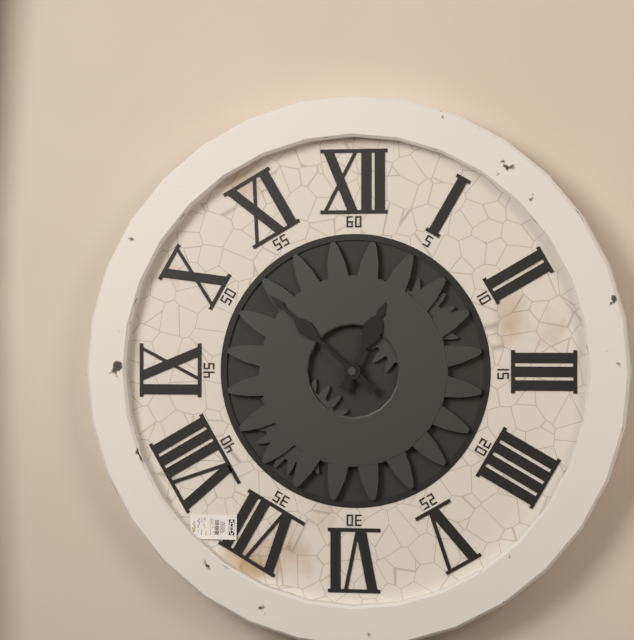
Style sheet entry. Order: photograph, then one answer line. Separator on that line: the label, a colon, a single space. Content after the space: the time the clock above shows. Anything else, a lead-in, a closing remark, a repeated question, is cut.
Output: 12:52
